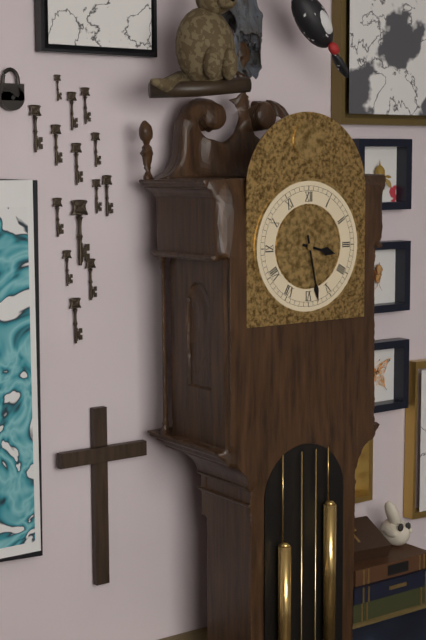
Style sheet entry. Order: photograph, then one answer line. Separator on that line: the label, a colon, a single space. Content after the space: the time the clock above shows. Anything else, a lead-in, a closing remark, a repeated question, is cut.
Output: 3:28
